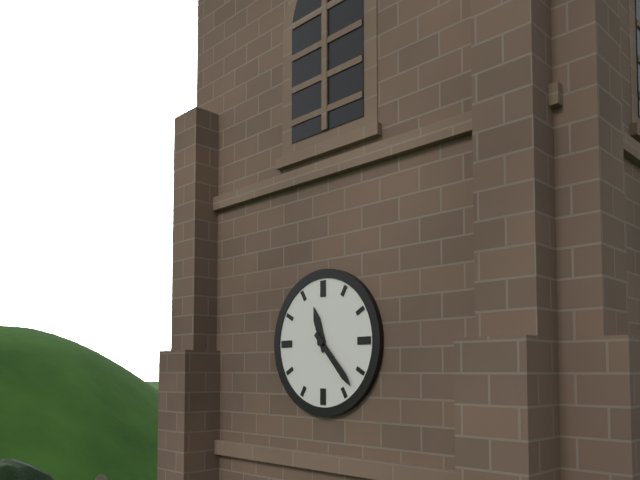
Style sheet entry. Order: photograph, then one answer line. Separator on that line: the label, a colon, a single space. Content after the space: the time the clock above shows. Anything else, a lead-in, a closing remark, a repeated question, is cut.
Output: 11:23
